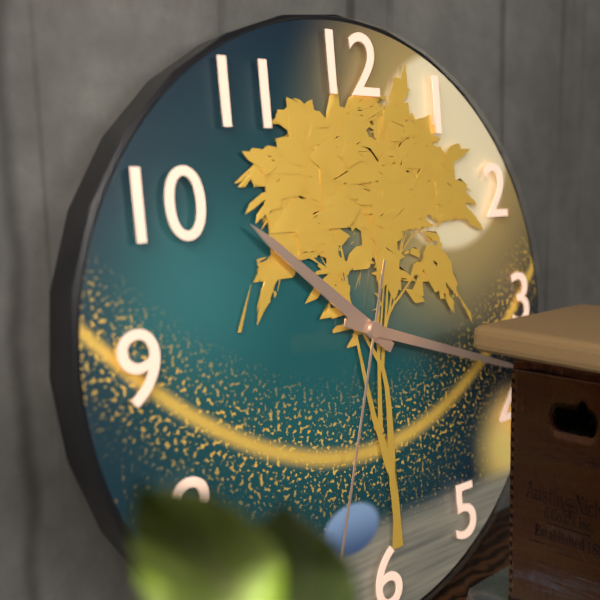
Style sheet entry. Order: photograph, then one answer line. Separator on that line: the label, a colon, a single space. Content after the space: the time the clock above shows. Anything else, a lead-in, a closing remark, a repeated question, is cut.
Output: 10:18
